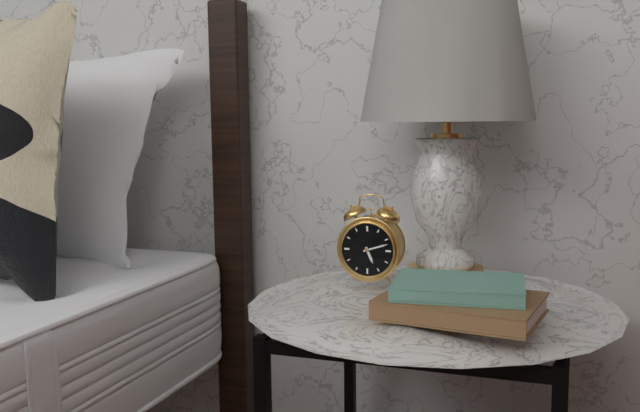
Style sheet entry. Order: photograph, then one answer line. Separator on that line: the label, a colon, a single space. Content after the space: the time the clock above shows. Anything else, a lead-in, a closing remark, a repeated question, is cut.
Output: 5:12
